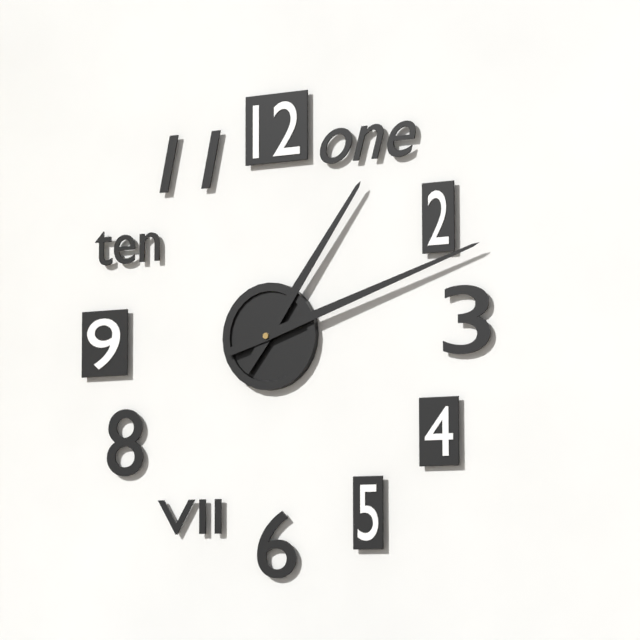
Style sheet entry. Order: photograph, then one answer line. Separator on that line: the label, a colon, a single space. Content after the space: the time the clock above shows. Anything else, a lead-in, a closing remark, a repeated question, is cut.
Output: 1:12
